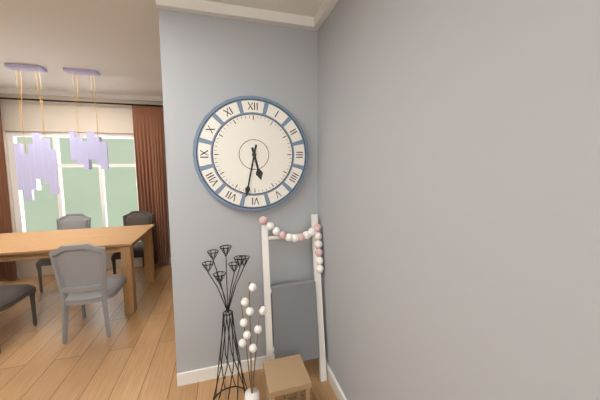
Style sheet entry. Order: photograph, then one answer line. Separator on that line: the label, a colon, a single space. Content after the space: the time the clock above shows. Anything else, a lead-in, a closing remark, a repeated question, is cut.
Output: 5:32
